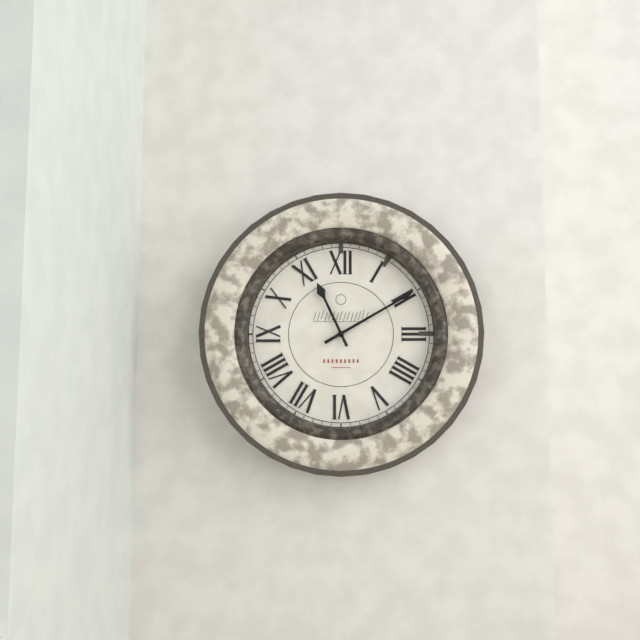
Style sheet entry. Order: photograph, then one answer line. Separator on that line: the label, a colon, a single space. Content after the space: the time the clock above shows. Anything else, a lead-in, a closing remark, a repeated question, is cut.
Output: 11:10
